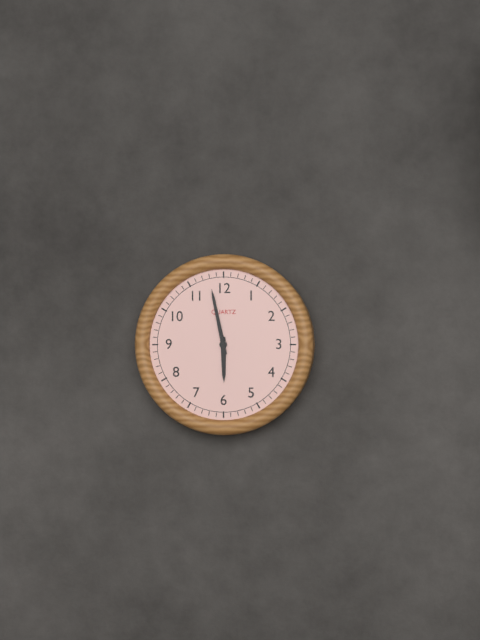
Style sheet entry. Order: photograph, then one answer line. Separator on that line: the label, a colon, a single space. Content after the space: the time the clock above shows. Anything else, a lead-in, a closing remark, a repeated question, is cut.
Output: 5:58
